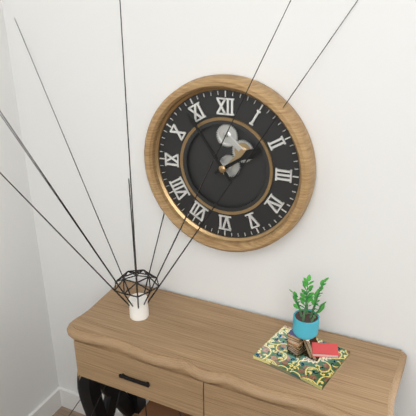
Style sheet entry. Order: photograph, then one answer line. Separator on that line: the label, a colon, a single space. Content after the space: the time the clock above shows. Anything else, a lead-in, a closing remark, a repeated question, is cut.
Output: 1:54
